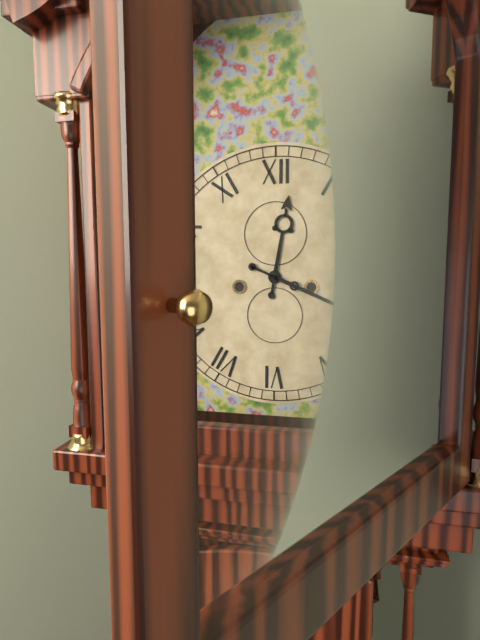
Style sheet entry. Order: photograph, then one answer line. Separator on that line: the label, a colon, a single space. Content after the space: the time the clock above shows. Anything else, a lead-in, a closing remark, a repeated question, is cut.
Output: 12:19
